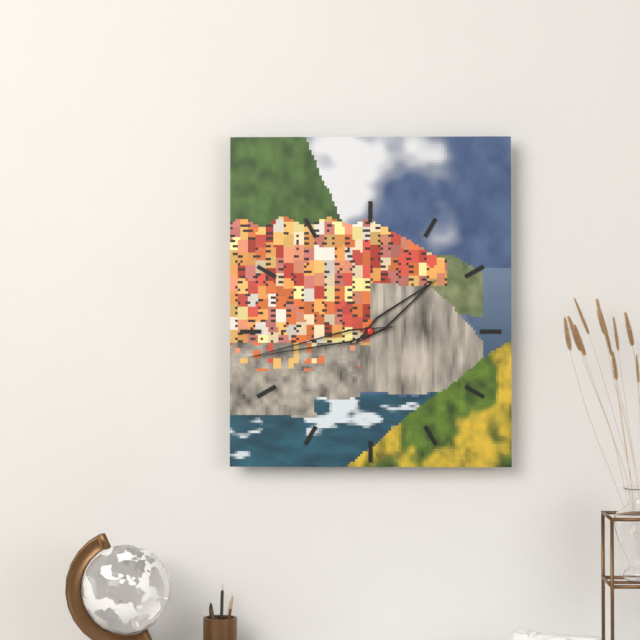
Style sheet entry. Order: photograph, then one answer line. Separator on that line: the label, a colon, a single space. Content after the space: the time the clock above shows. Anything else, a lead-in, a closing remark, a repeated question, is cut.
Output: 1:43
